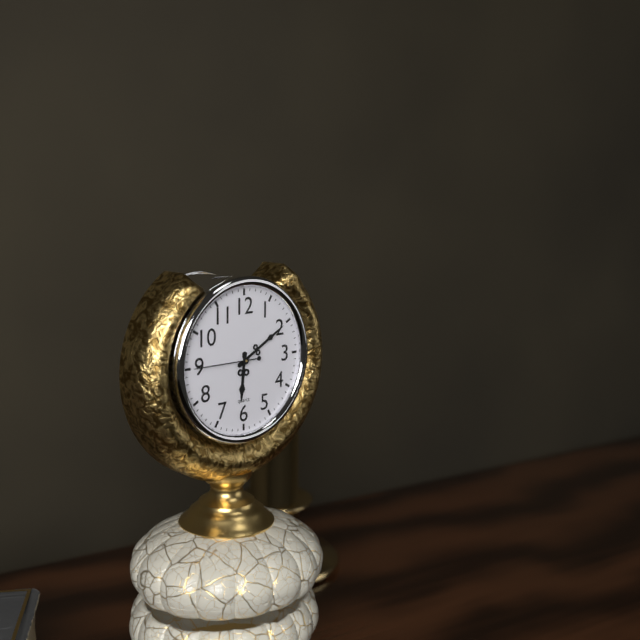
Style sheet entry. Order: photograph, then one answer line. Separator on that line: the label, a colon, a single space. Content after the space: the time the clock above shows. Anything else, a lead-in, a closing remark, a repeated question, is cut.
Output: 6:10:45
